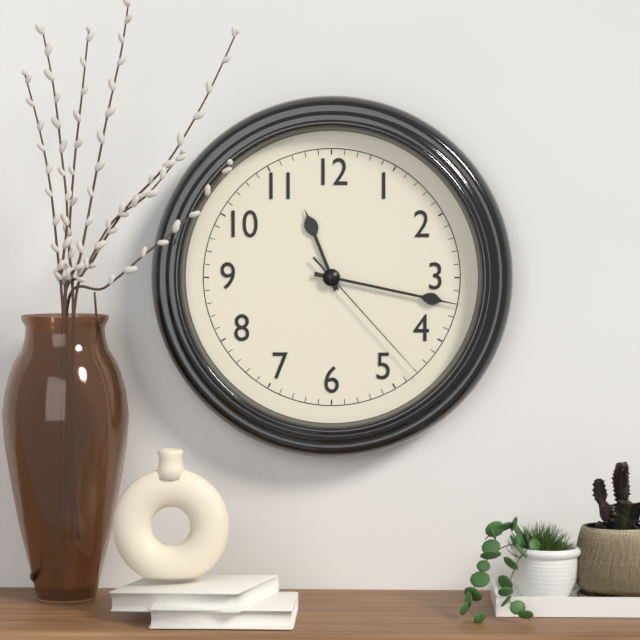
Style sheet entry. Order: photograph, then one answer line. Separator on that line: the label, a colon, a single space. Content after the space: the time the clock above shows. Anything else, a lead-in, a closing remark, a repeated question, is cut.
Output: 11:17:23
